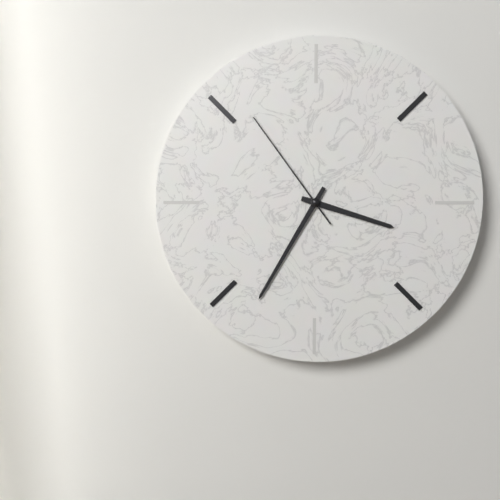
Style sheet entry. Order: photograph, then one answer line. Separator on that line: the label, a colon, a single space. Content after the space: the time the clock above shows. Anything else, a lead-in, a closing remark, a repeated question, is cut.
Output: 3:35:54
